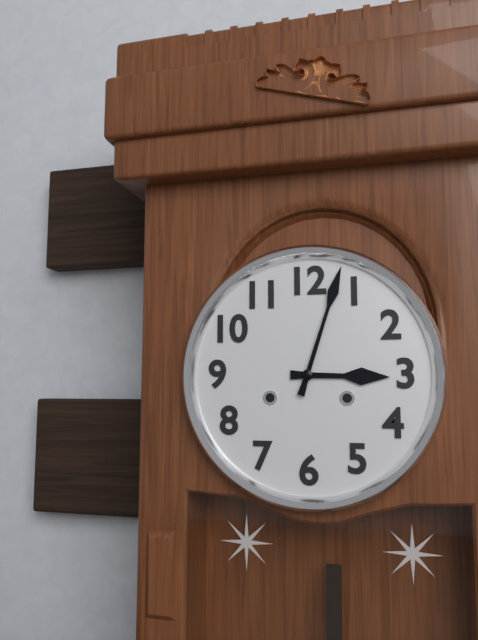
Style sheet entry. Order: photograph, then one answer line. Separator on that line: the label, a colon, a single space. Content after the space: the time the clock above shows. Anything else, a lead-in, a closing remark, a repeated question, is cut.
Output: 3:03
